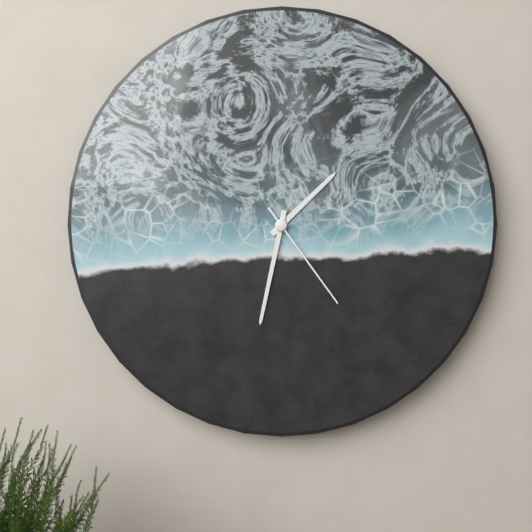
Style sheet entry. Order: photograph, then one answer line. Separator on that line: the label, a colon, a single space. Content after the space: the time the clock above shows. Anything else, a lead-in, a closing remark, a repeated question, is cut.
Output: 1:32:24
